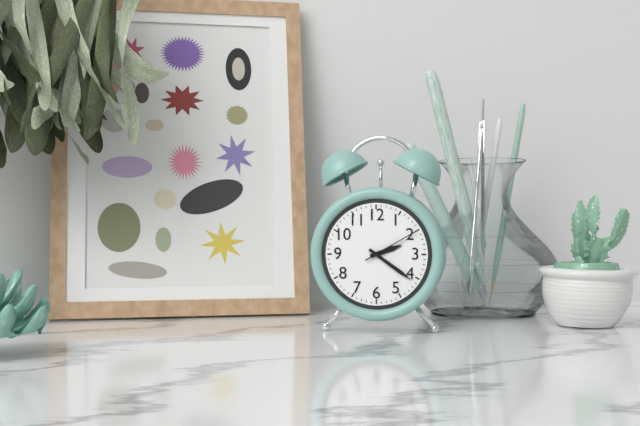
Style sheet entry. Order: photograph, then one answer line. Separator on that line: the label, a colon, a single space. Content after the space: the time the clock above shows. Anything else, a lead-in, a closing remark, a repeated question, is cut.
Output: 2:21:10
